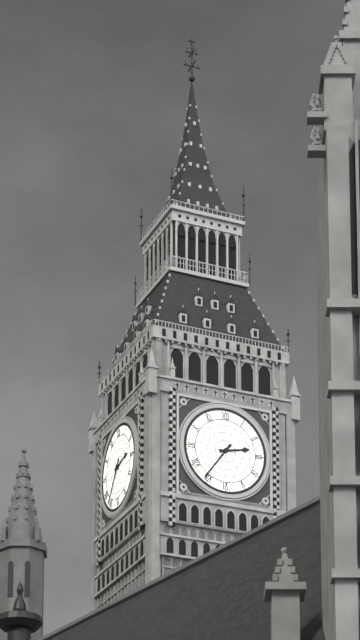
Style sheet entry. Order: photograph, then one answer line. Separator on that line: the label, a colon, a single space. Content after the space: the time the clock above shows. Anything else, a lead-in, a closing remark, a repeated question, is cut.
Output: 2:36
